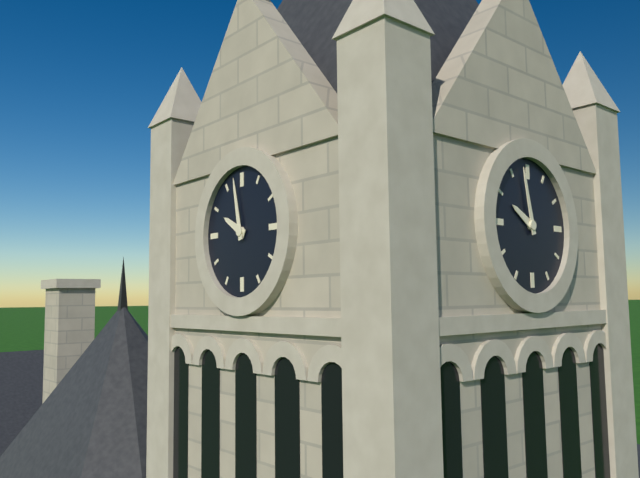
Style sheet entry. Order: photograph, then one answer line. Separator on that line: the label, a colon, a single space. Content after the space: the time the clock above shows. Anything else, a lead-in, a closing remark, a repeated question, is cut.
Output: 9:58
